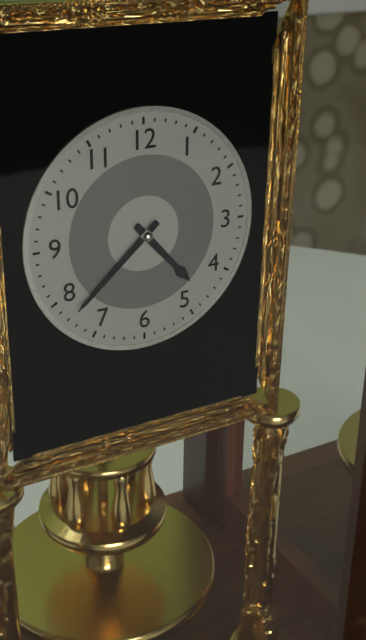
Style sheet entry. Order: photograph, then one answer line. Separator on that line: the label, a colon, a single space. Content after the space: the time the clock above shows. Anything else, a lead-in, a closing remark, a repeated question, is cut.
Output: 4:38
